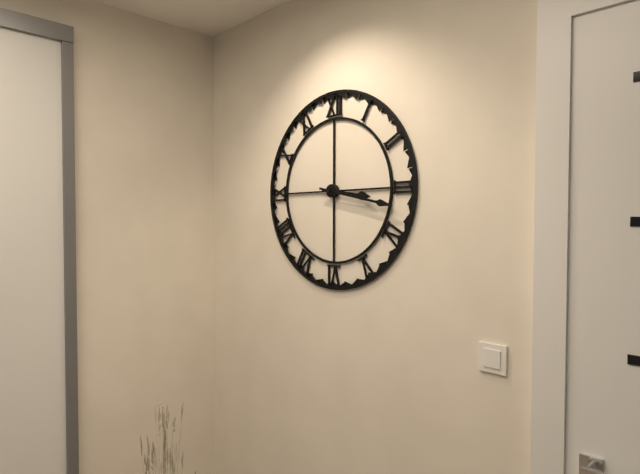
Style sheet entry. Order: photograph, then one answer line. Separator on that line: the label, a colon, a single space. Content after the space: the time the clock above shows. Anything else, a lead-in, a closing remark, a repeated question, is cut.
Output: 3:17
